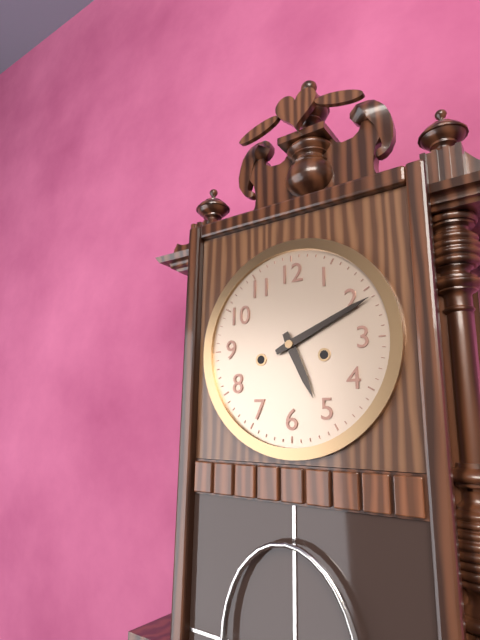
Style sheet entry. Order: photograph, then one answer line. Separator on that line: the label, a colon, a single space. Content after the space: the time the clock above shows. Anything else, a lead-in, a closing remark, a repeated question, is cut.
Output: 5:11
